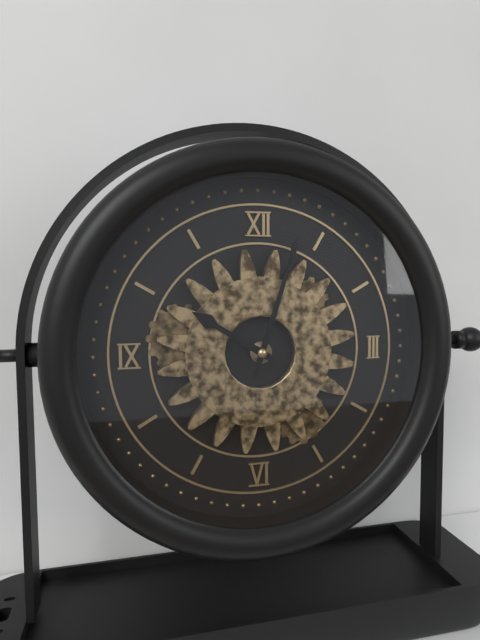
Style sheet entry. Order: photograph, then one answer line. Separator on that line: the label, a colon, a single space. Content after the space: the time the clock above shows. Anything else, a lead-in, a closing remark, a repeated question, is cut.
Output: 10:03
